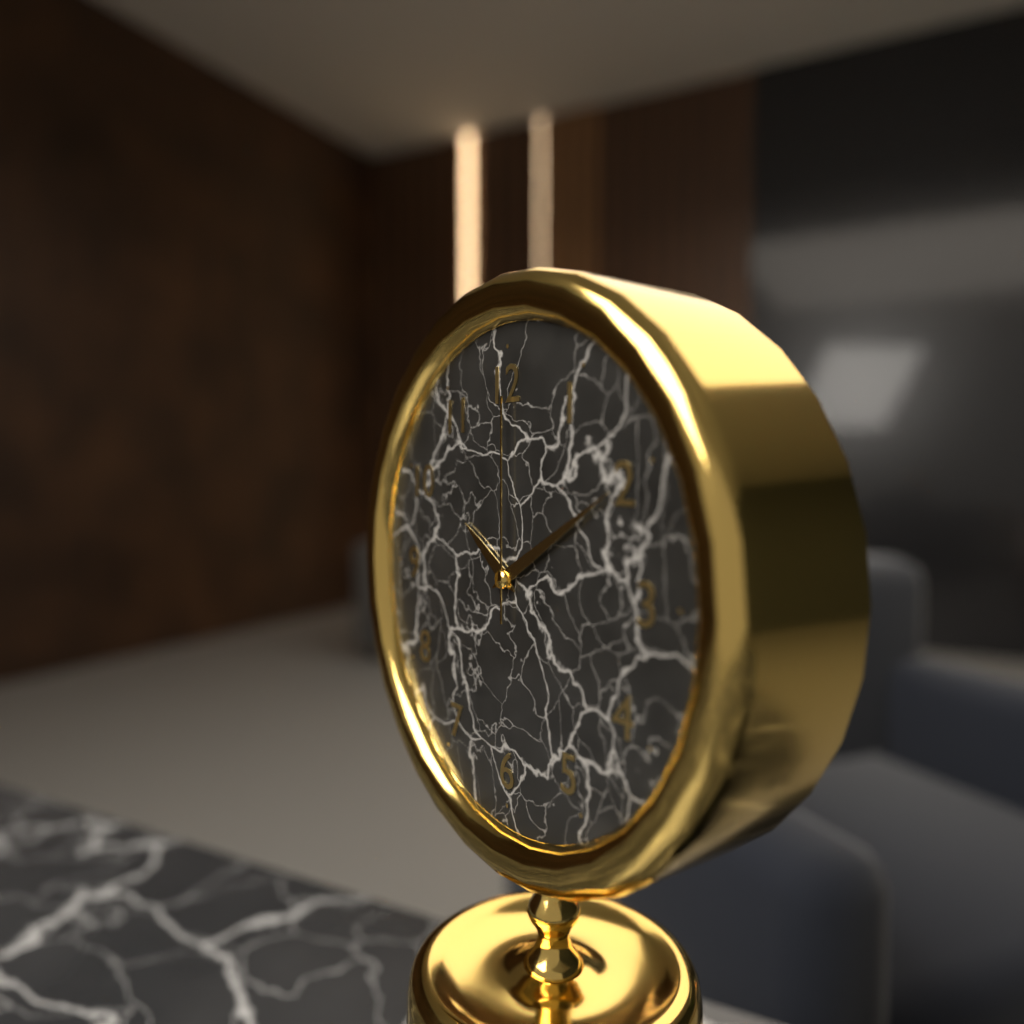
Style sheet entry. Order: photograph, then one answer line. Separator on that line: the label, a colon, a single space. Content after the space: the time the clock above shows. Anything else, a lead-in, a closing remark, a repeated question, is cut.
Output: 10:10:00
